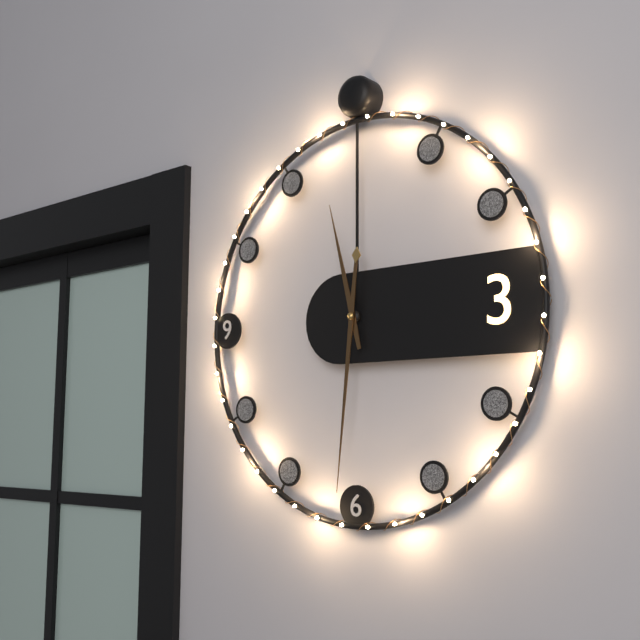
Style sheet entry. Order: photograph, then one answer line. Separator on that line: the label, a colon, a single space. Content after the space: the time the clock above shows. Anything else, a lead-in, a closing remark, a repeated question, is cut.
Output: 11:31
